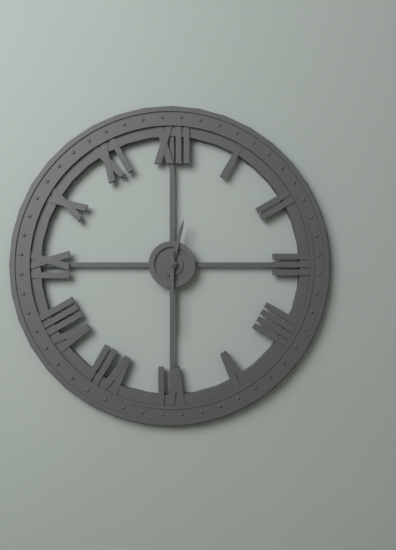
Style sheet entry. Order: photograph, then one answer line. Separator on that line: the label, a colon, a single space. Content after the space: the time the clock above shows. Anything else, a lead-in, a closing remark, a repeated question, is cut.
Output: 12:30
